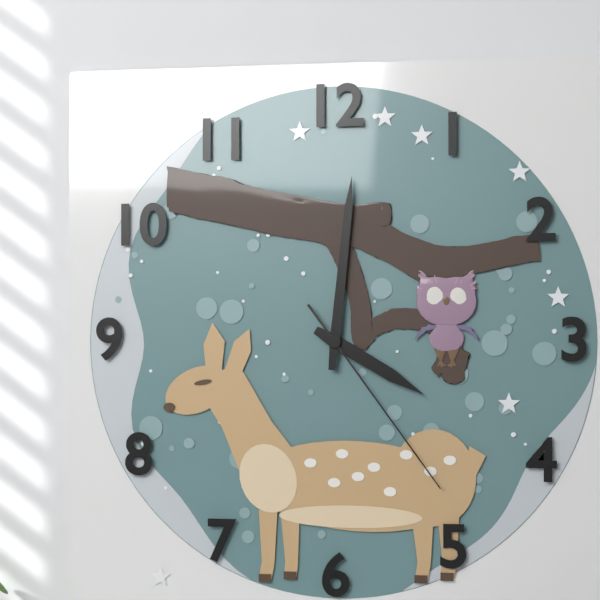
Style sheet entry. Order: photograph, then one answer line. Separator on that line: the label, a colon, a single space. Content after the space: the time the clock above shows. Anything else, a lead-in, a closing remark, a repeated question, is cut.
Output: 4:01:24
